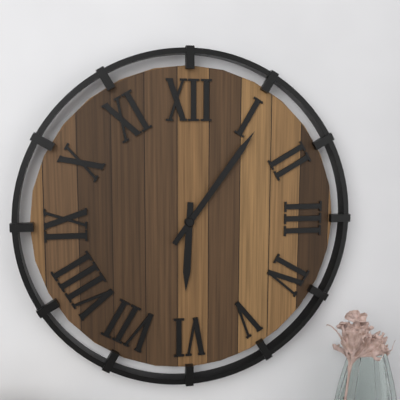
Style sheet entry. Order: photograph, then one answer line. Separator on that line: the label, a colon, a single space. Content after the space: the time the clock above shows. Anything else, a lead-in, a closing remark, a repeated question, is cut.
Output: 6:06
